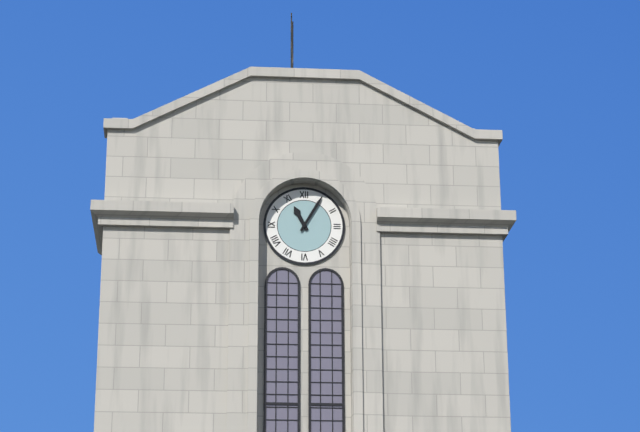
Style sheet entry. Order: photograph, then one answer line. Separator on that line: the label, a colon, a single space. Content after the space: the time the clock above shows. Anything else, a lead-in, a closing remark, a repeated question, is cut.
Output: 11:05
